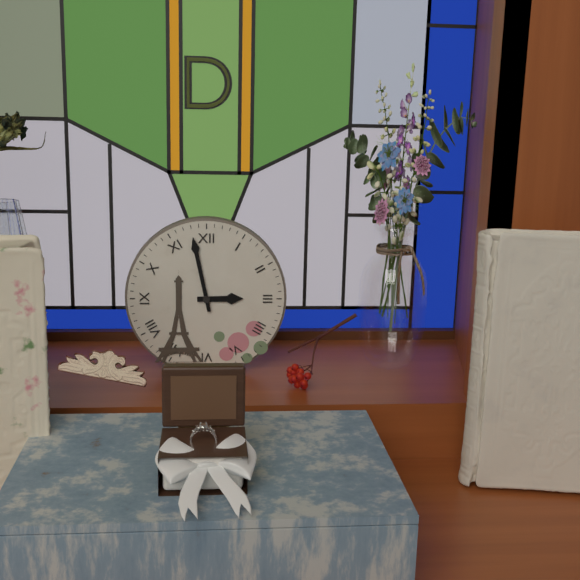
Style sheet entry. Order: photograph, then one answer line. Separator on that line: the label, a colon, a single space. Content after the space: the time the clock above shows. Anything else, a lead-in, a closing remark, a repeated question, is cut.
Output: 2:58
